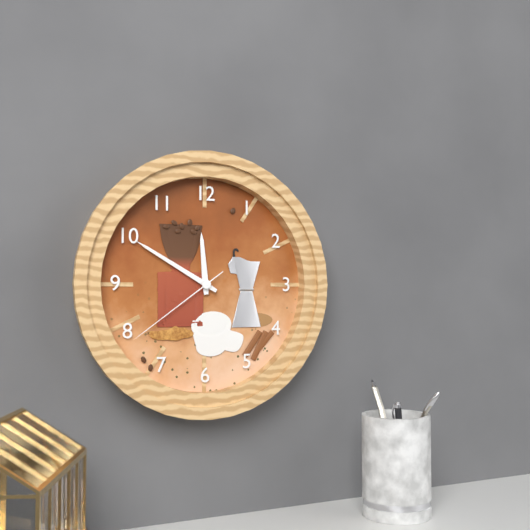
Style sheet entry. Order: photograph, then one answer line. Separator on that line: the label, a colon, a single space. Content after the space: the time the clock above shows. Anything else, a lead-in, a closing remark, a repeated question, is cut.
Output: 11:50:39
